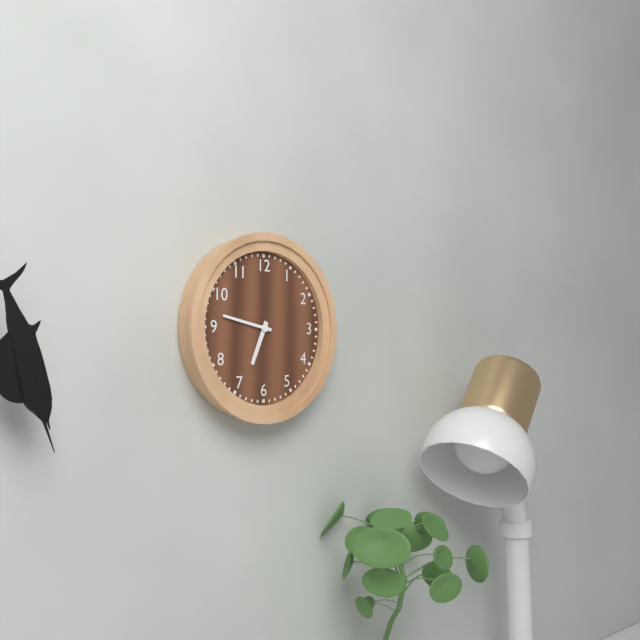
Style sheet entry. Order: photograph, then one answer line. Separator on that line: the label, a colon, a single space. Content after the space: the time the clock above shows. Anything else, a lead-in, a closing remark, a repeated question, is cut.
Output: 6:47
